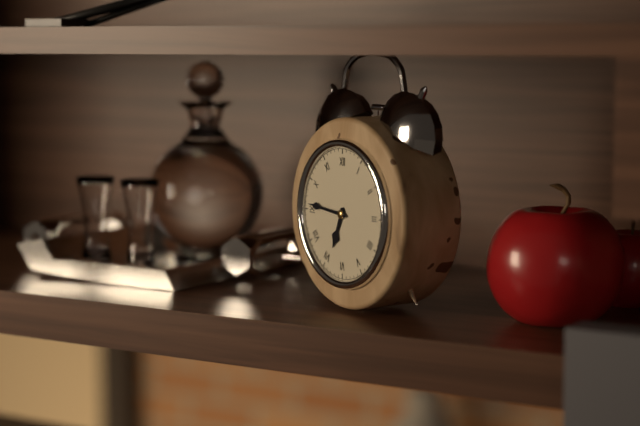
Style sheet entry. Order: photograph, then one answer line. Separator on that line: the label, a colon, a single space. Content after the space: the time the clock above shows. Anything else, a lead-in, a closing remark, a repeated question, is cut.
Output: 6:46
